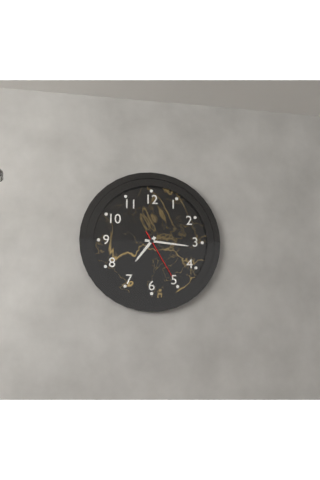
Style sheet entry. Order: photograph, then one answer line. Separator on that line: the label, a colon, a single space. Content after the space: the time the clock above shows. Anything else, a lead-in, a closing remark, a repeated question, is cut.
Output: 7:16:25
